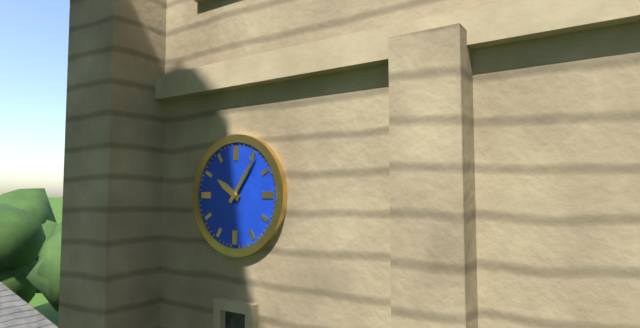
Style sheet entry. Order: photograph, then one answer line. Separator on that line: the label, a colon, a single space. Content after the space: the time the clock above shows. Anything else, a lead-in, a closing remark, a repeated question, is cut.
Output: 10:06
